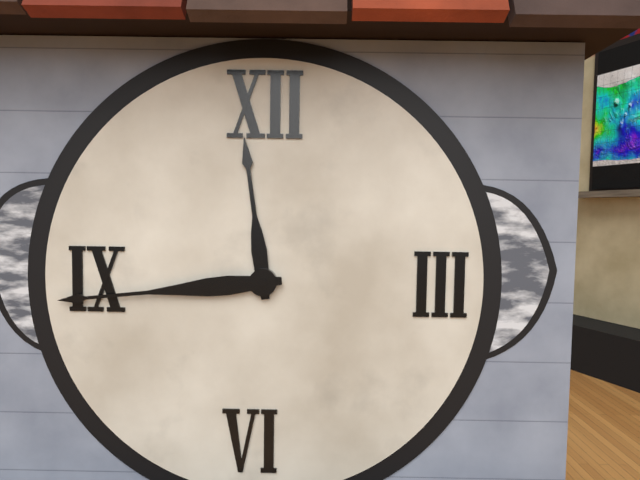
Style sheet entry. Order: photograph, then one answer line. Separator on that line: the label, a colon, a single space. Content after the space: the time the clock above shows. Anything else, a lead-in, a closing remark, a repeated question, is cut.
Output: 11:44
